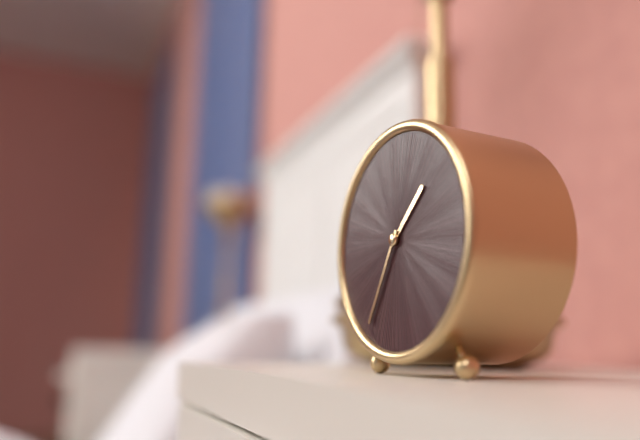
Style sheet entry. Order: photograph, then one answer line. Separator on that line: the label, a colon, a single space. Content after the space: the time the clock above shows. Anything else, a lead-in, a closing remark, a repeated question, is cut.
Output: 1:35
